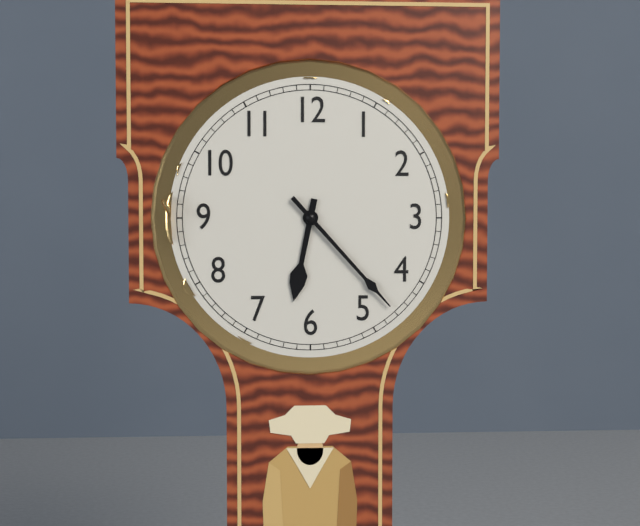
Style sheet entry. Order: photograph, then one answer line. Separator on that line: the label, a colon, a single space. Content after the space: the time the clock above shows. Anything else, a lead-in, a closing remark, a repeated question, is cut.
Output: 6:23
